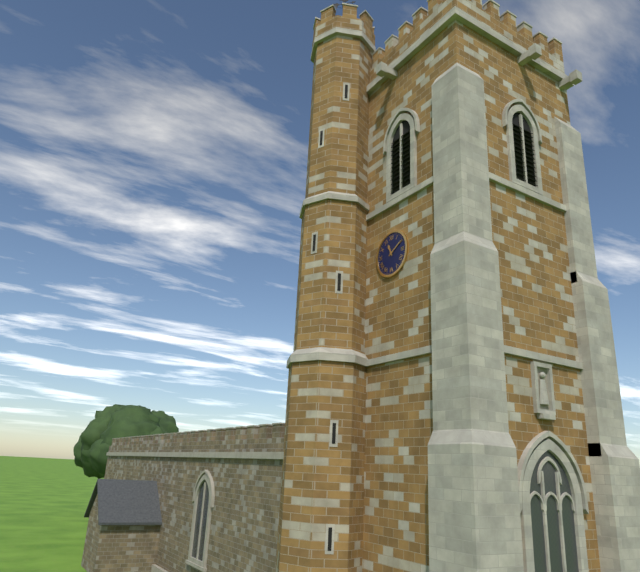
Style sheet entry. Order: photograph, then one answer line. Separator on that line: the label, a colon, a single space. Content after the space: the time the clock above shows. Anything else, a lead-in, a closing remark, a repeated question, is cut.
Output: 11:10
